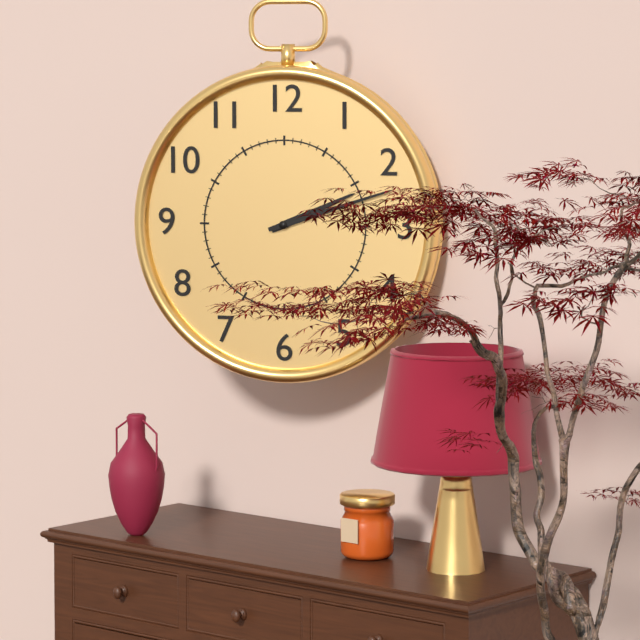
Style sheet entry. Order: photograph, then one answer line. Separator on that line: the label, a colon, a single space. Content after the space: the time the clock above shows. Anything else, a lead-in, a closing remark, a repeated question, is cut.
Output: 2:12
